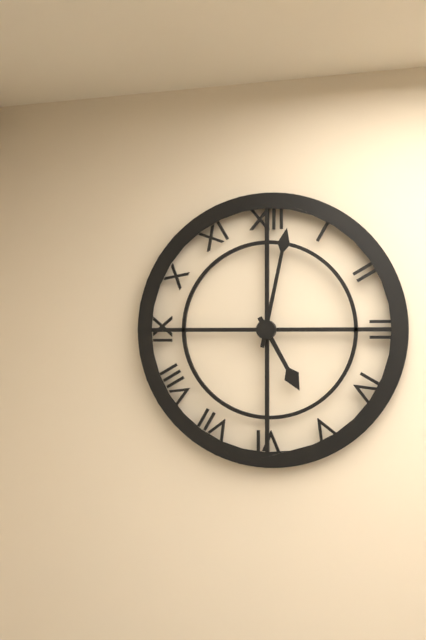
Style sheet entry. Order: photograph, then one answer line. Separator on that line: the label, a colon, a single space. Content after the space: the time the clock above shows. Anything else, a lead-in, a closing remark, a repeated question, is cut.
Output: 5:02
